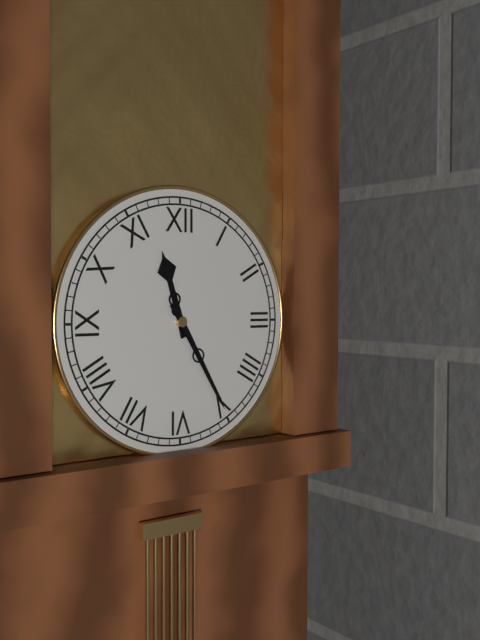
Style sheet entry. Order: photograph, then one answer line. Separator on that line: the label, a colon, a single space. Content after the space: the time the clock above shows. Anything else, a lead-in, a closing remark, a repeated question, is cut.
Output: 11:25
